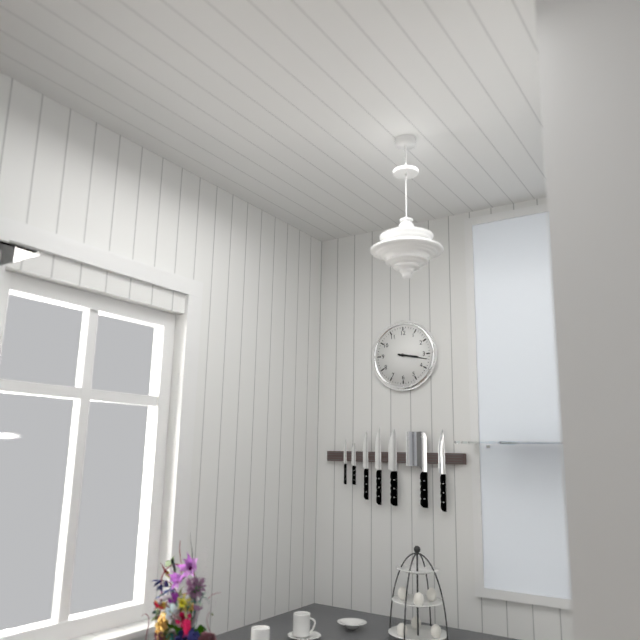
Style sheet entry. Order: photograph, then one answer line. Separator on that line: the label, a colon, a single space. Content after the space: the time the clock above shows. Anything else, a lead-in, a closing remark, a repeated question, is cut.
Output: 3:17
